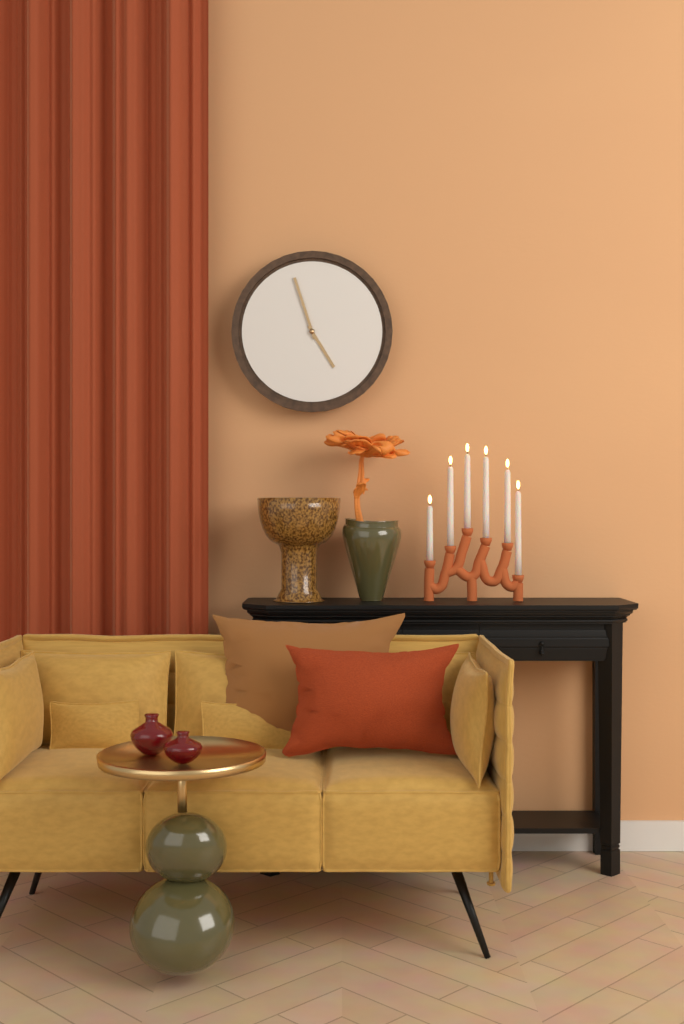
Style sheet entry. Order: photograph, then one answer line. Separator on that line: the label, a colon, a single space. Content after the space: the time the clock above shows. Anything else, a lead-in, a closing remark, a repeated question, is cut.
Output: 4:57
